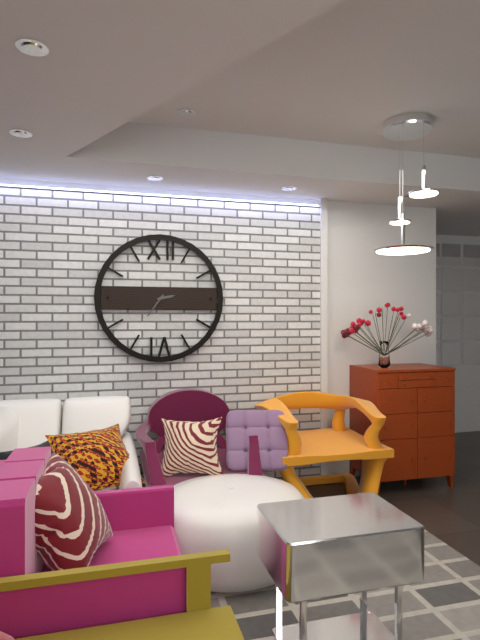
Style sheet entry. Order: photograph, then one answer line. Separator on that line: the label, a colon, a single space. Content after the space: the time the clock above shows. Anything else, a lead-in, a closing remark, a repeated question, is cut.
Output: 2:36
